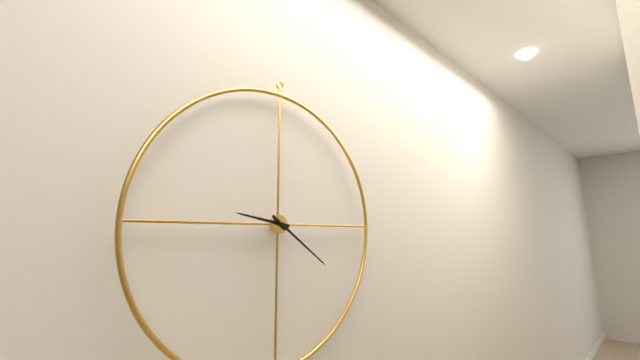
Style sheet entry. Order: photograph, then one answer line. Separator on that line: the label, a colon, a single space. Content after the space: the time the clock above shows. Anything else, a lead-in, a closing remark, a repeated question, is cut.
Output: 9:21
